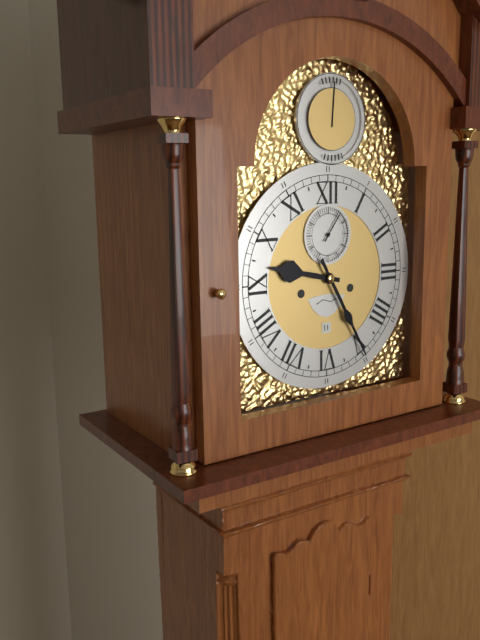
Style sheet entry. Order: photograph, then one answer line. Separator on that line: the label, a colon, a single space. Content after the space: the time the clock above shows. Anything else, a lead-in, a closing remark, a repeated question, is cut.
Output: 9:25
